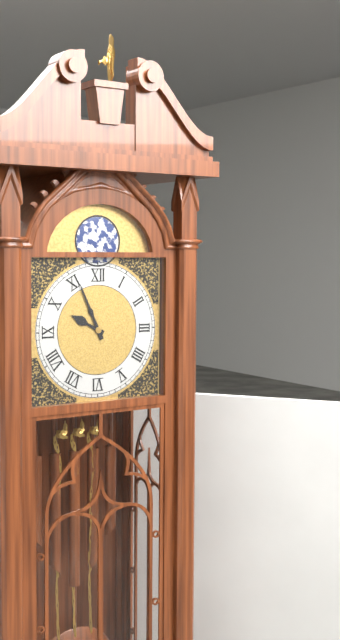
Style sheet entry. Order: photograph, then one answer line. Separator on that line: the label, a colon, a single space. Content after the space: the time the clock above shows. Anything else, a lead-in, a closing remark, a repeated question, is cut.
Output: 9:56
